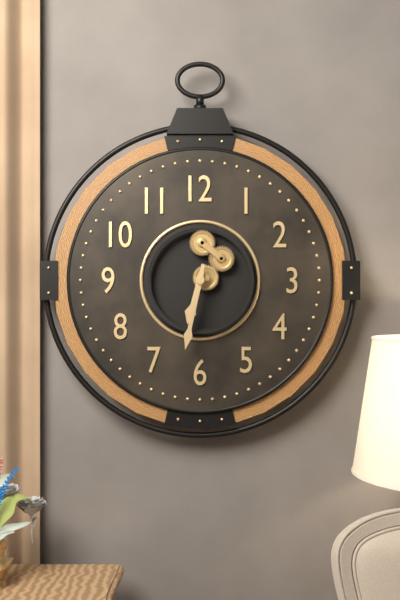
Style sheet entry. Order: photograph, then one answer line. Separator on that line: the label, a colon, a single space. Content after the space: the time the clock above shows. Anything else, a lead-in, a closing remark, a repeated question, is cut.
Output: 6:32
